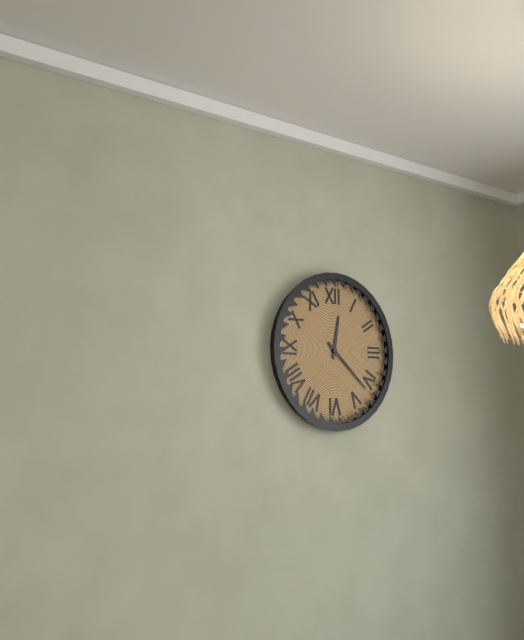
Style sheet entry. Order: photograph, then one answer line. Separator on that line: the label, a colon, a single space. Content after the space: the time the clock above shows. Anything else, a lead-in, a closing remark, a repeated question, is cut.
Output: 12:22
